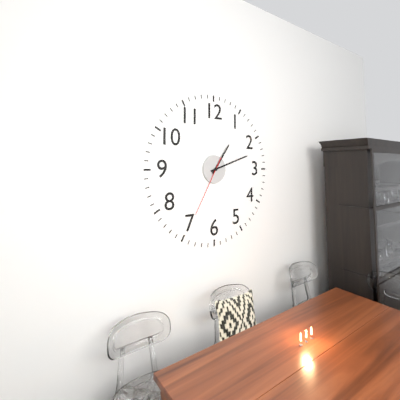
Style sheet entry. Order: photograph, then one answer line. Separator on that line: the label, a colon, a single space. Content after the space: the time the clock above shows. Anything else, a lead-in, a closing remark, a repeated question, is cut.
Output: 1:12:35
